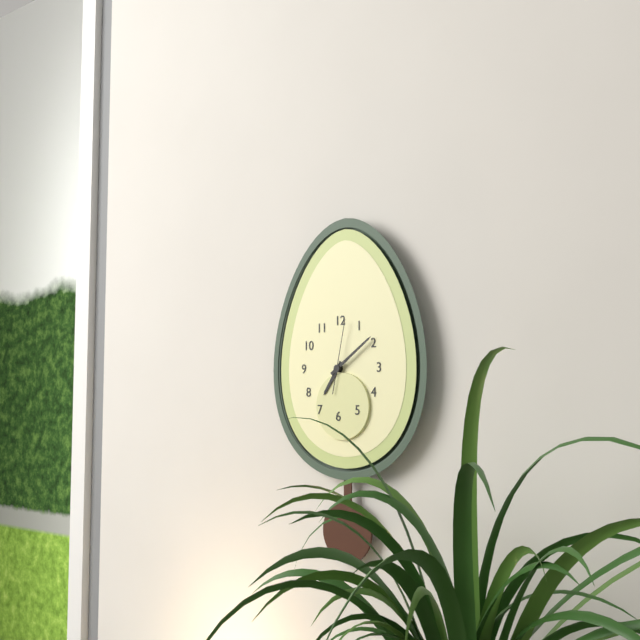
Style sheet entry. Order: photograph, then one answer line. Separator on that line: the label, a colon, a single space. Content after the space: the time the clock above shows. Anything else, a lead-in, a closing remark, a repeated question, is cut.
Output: 7:09:02
